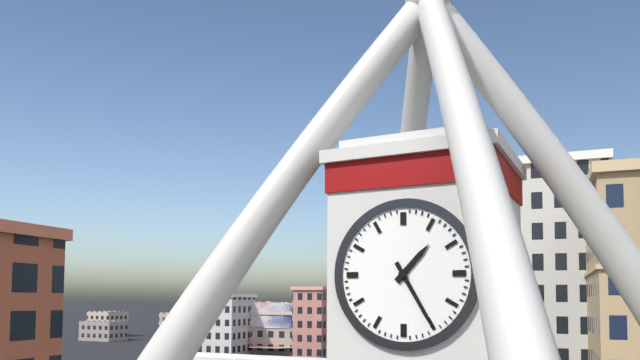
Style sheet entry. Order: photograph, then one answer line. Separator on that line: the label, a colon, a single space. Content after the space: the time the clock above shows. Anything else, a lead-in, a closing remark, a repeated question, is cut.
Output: 1:25
